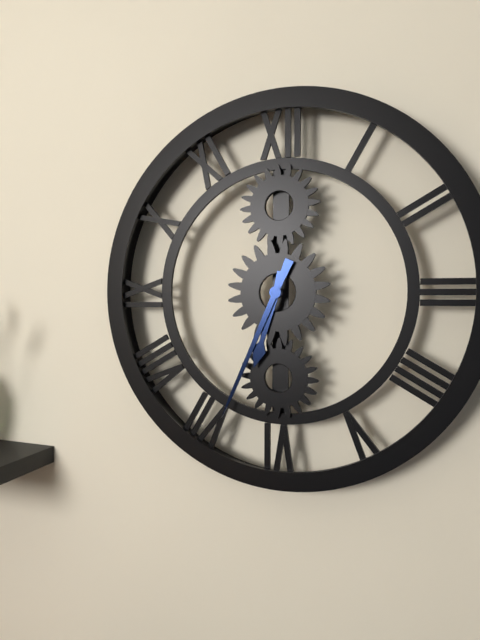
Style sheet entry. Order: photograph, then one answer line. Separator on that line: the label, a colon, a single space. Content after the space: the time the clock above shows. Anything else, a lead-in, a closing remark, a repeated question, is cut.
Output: 6:34
